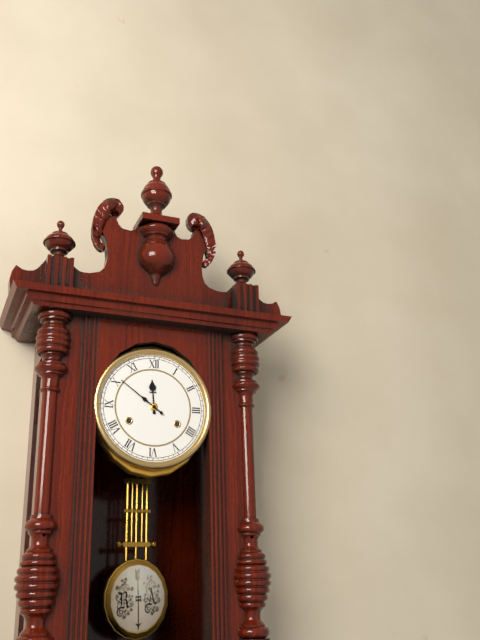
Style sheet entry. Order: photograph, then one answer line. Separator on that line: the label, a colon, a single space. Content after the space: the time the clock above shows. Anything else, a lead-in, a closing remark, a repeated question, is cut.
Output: 11:51
